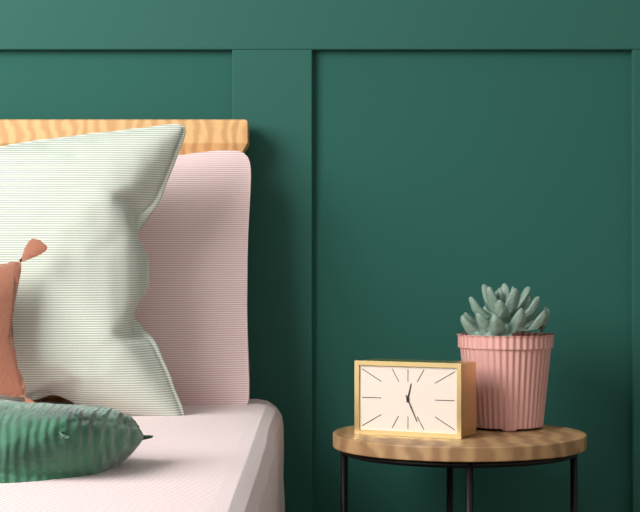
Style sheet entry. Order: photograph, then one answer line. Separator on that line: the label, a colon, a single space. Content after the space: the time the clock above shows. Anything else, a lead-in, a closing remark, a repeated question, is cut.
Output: 12:26
